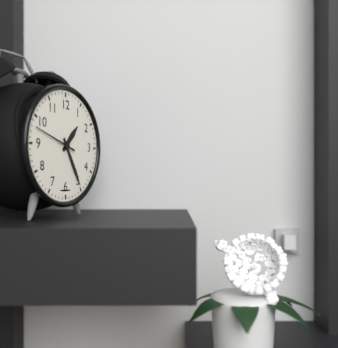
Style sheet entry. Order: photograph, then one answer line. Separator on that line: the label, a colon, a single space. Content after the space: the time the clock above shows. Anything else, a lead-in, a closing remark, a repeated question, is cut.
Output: 1:25
